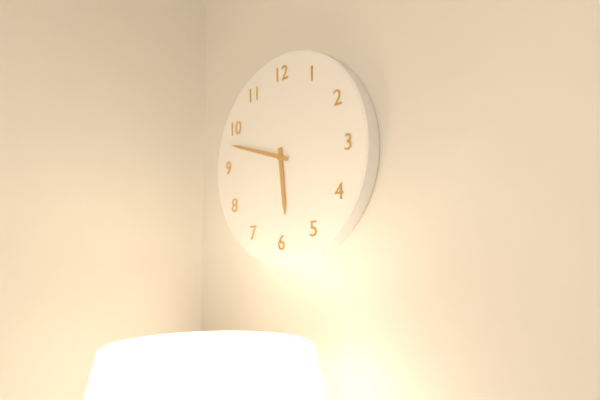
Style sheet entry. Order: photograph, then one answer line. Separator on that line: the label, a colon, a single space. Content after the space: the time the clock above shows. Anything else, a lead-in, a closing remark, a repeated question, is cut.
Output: 5:48
